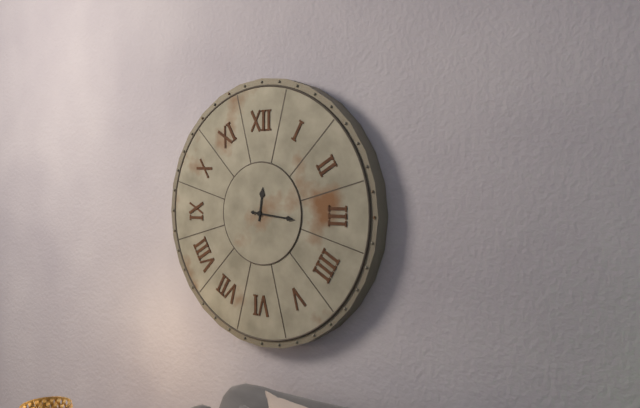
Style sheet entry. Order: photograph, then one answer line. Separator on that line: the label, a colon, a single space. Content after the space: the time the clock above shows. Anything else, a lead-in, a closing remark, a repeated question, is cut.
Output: 12:16
